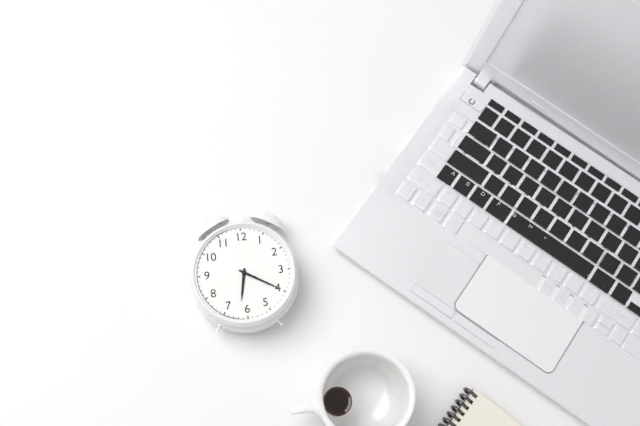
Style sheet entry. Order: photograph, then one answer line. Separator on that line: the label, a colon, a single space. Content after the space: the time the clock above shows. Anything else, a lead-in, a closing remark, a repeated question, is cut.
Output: 6:20
